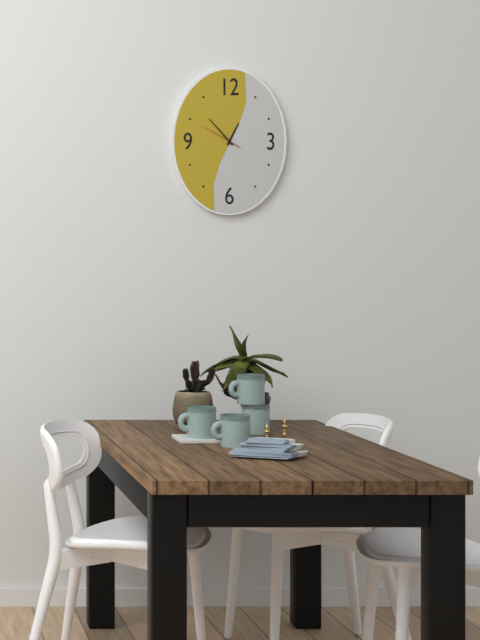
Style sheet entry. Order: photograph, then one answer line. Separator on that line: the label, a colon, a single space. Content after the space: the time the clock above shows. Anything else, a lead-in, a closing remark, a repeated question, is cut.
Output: 12:53
